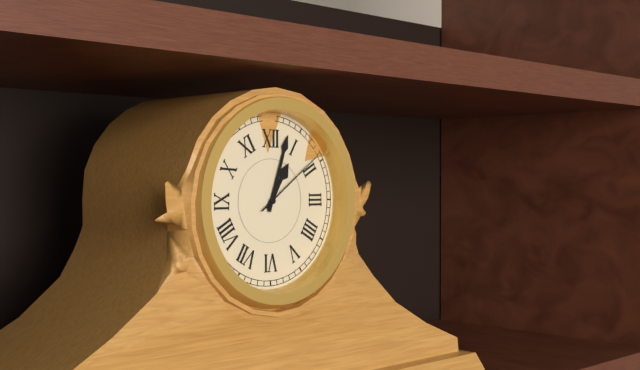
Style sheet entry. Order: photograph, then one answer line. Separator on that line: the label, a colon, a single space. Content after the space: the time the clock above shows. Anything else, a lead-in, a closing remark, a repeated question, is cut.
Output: 1:03:09
